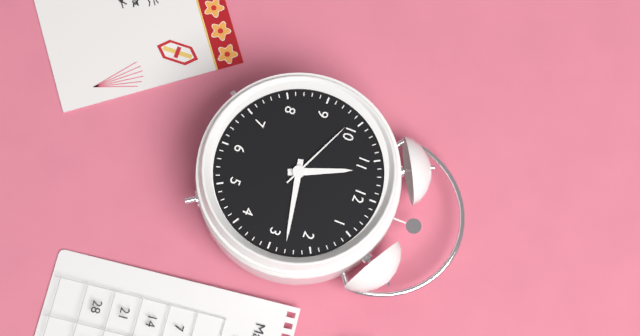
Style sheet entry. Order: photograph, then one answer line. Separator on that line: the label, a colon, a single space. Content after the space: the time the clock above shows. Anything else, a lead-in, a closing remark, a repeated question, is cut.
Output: 11:13:49
